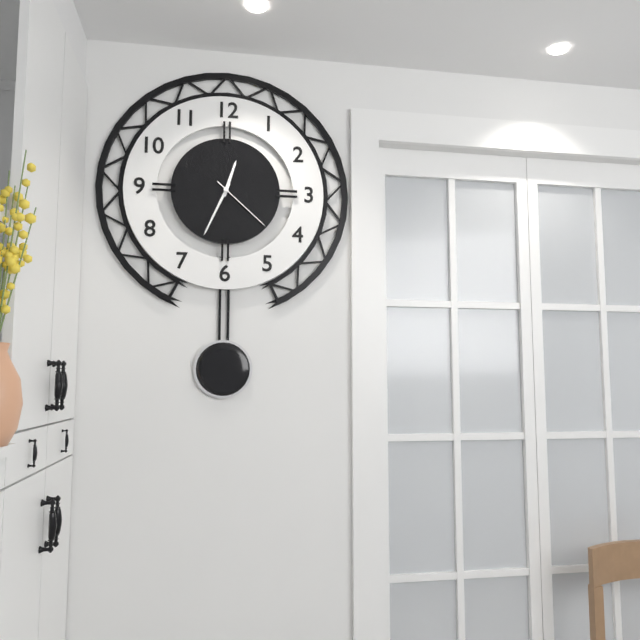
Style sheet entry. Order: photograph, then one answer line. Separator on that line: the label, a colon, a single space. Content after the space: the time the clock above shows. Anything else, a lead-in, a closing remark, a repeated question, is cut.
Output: 12:34:22
